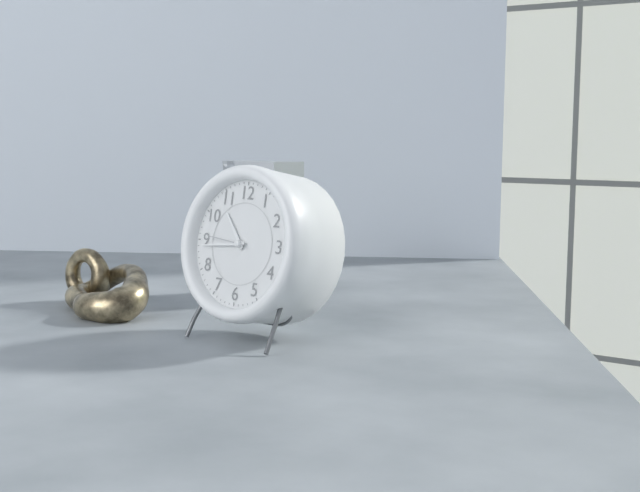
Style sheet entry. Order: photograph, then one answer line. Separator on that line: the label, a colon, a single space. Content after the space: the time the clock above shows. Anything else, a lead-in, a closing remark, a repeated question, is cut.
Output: 10:44
